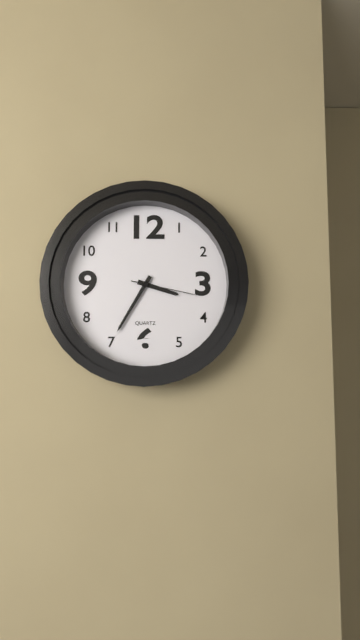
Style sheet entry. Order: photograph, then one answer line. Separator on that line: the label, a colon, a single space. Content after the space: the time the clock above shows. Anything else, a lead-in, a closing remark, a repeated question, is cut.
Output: 3:35:17
